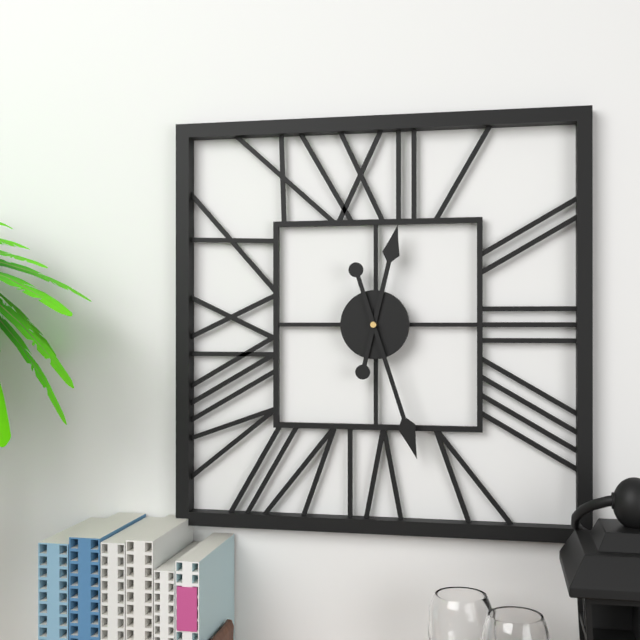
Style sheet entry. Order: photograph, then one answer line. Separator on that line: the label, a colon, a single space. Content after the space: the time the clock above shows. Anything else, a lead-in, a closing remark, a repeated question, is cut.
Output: 12:27
